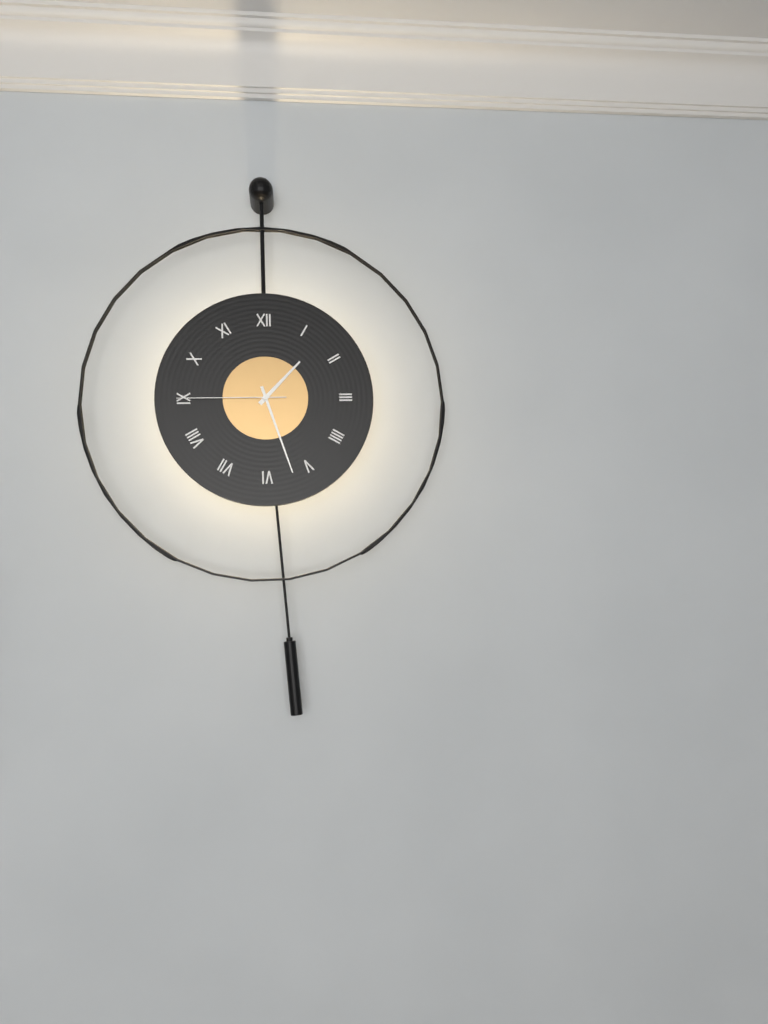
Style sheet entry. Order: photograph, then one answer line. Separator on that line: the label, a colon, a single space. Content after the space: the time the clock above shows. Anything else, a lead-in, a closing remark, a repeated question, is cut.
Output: 1:27:45
